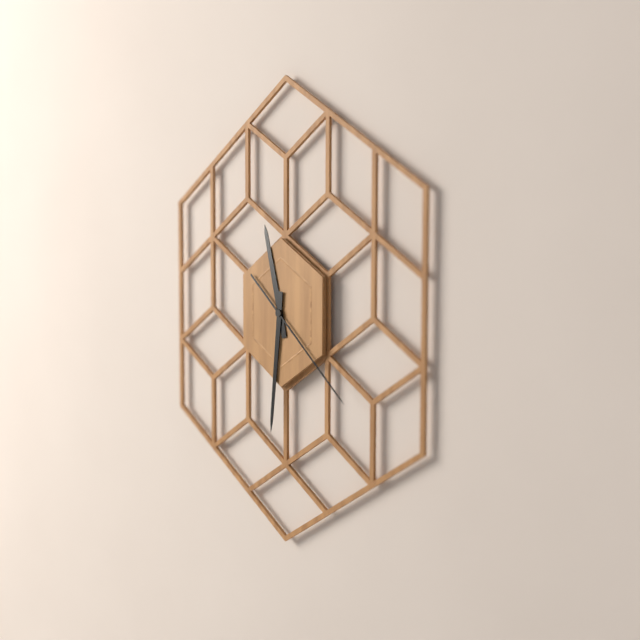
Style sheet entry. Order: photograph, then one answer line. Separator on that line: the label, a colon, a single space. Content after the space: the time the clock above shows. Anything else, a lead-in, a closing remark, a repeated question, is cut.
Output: 11:31:22
